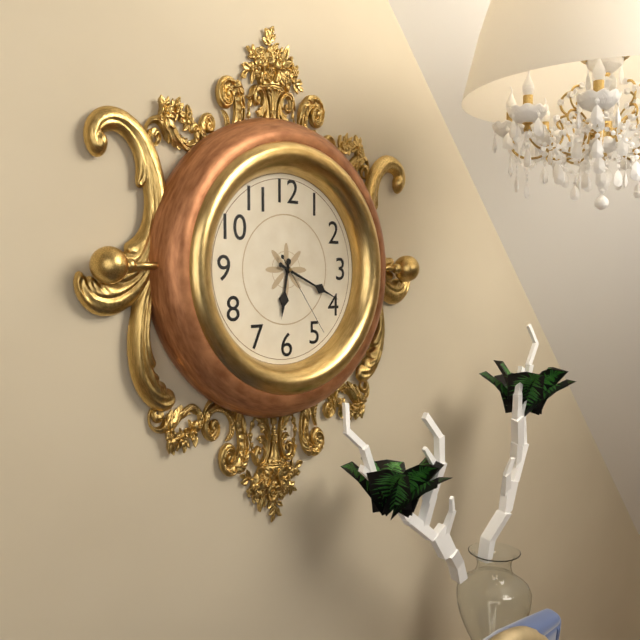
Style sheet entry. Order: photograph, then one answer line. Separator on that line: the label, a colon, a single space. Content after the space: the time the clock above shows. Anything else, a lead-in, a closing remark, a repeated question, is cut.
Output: 6:19:24
